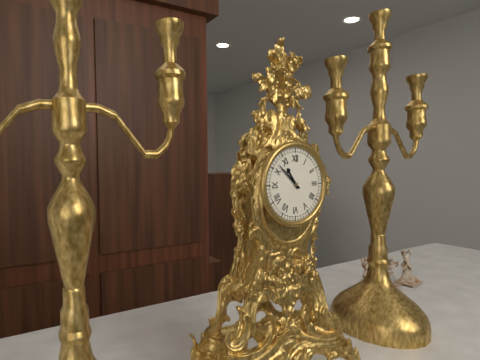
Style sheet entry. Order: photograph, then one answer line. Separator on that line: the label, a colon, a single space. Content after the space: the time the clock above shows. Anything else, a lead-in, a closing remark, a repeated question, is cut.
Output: 10:52
